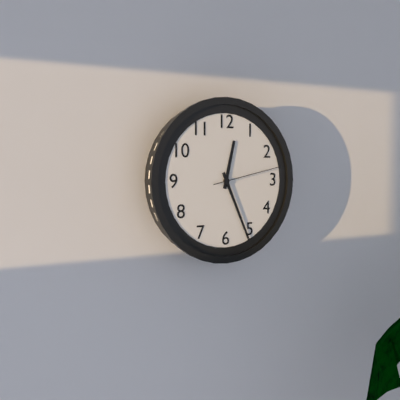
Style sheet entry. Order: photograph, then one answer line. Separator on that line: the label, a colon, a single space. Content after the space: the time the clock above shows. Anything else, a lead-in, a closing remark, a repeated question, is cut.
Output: 12:26:13
